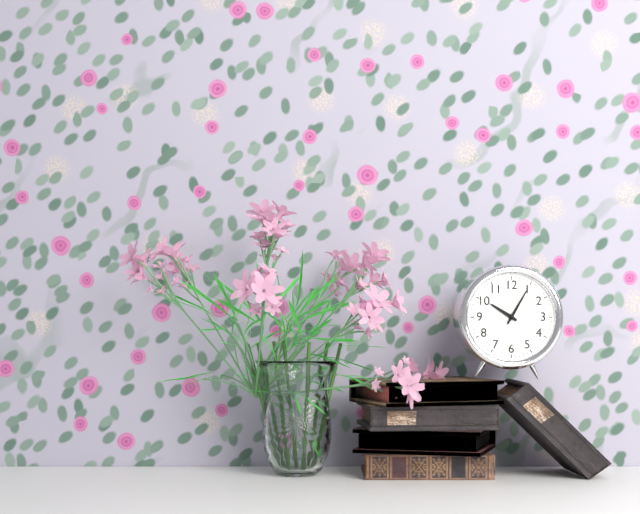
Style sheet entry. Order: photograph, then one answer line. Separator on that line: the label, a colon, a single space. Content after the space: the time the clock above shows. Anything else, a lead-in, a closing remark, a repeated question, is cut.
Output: 10:05
